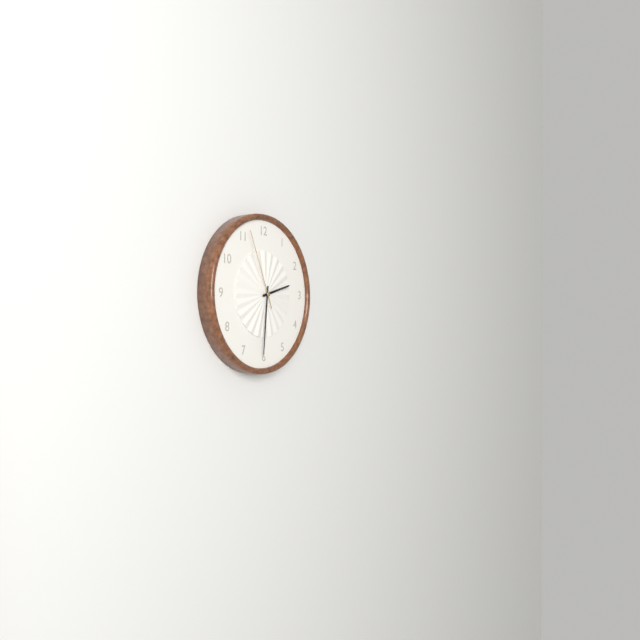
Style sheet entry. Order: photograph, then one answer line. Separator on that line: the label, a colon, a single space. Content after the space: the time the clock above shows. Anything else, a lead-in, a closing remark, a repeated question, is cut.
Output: 2:31:56
